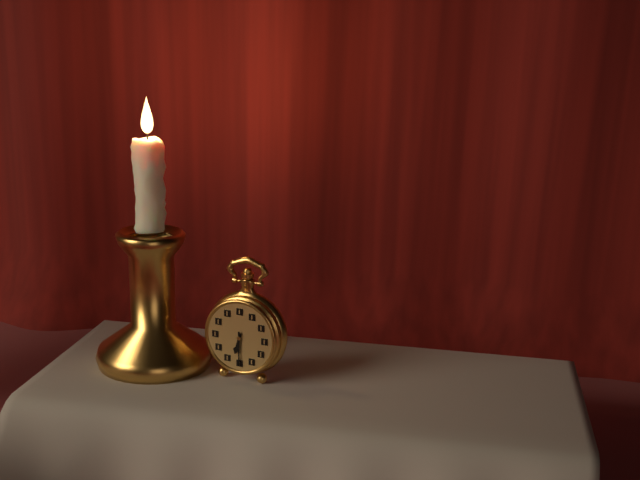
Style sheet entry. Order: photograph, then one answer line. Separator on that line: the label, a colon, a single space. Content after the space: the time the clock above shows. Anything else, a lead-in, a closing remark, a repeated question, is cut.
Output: 6:30
